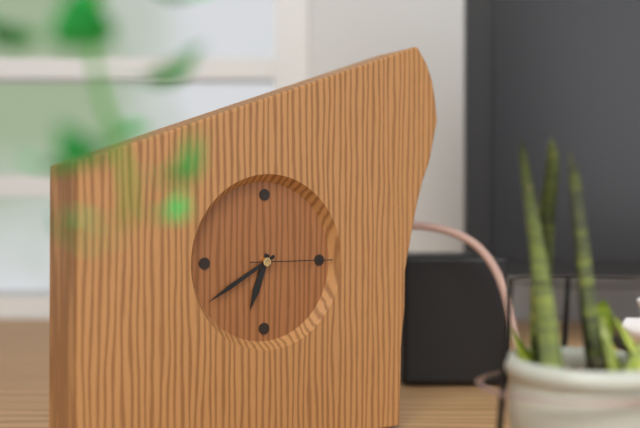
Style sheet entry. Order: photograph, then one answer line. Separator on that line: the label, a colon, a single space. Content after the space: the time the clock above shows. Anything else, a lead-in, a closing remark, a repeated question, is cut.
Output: 6:40:15
